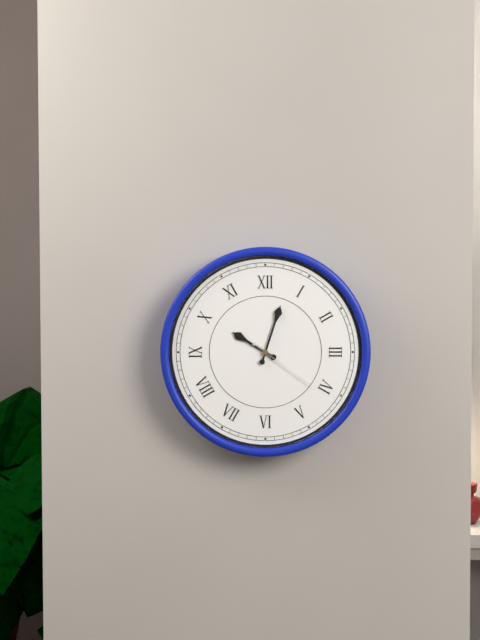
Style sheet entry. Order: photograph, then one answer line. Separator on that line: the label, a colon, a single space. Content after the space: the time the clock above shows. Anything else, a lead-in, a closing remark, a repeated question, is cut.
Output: 10:03:21
